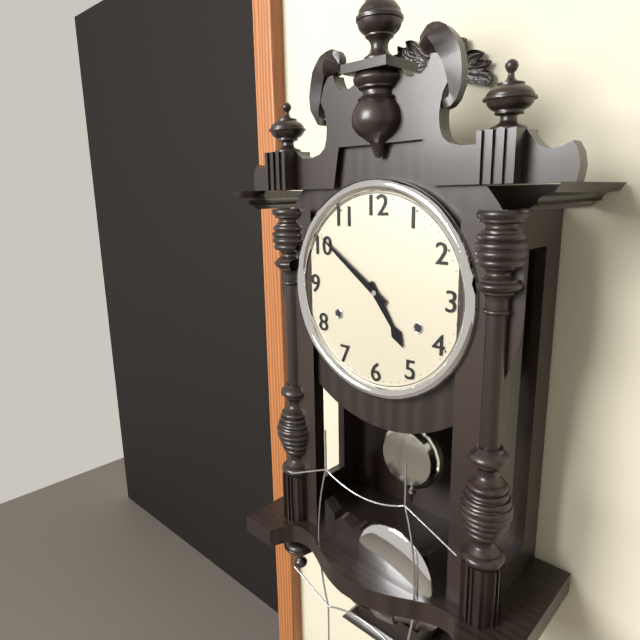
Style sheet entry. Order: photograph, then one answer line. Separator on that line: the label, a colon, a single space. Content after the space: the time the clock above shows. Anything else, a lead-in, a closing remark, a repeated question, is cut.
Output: 4:51
